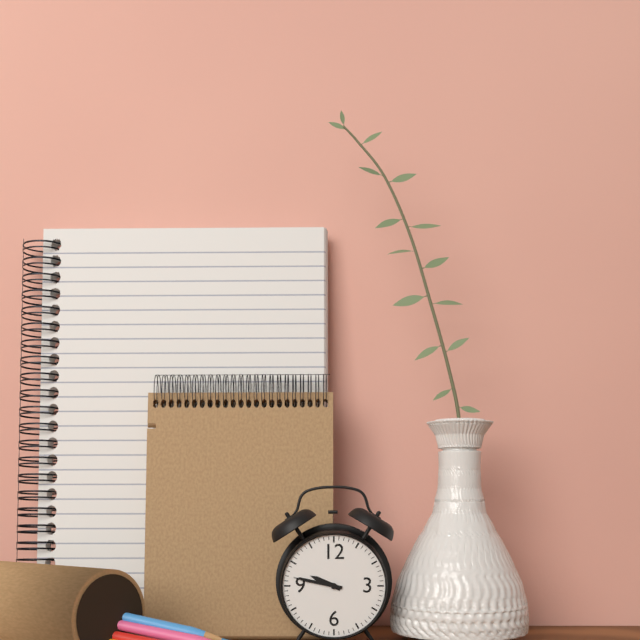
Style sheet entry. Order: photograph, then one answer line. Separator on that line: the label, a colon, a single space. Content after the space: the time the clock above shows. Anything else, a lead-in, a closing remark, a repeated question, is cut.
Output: 9:47
